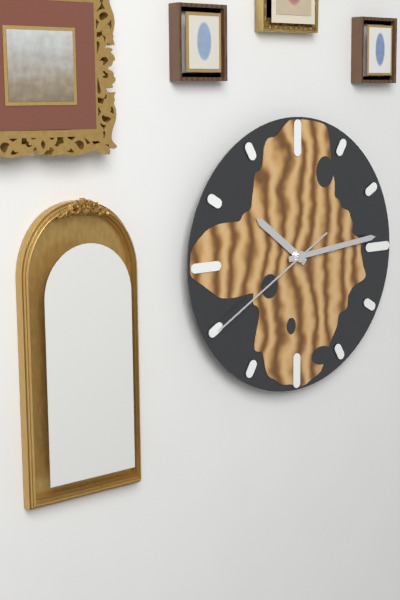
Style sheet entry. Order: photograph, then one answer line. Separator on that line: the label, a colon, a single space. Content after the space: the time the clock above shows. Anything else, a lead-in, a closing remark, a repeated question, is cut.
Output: 10:14:40
